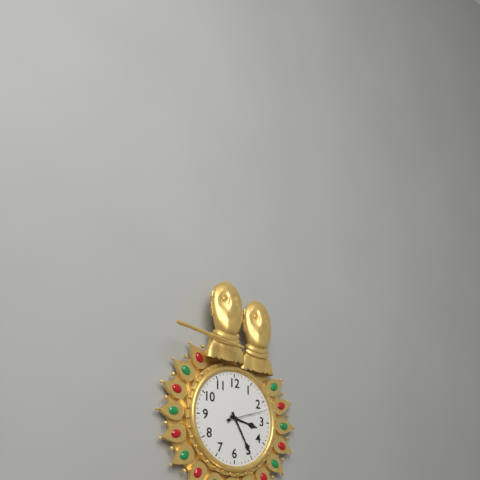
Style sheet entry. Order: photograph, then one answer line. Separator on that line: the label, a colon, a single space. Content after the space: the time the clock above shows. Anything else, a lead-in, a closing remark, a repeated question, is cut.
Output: 3:25
